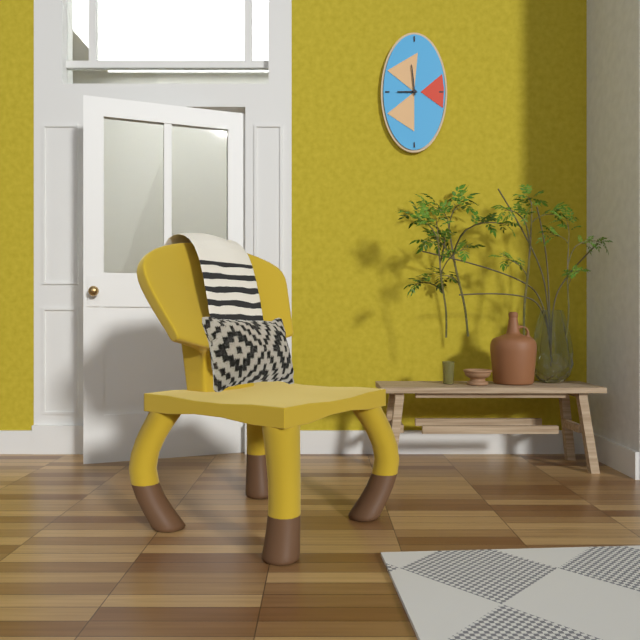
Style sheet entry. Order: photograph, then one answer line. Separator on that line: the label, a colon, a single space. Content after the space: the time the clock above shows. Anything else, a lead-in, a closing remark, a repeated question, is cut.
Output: 8:59
